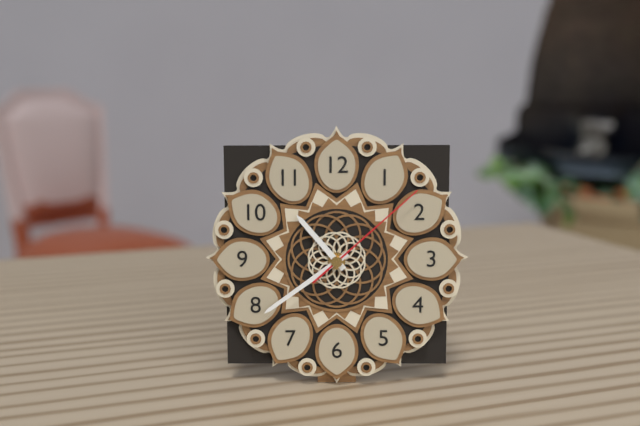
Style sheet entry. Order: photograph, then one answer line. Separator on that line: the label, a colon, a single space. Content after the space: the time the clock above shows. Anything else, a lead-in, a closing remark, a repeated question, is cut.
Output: 10:39:08
